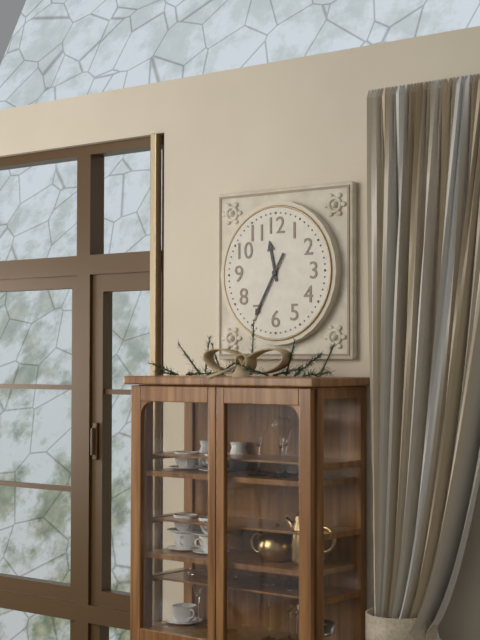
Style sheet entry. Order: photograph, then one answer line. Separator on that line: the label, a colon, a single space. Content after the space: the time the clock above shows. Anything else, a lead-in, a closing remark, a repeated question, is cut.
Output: 11:35
